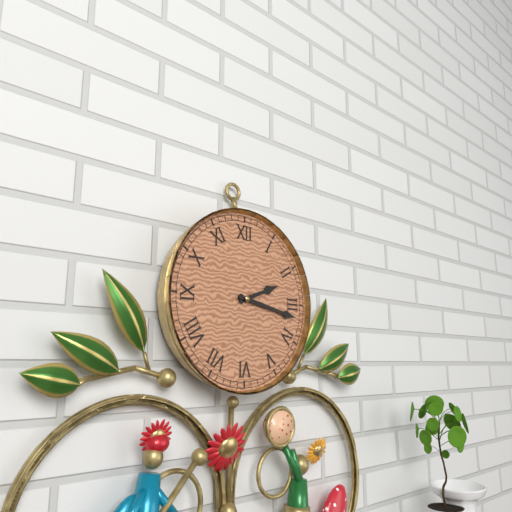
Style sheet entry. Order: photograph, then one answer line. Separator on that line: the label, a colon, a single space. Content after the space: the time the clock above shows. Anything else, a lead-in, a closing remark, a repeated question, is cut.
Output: 2:17
